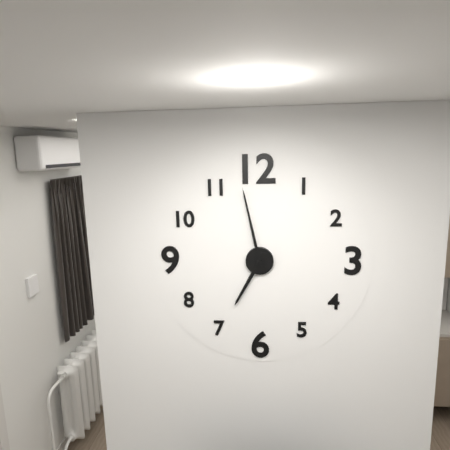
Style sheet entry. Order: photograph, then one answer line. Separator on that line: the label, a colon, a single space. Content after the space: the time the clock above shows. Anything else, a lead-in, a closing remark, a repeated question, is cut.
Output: 6:58
